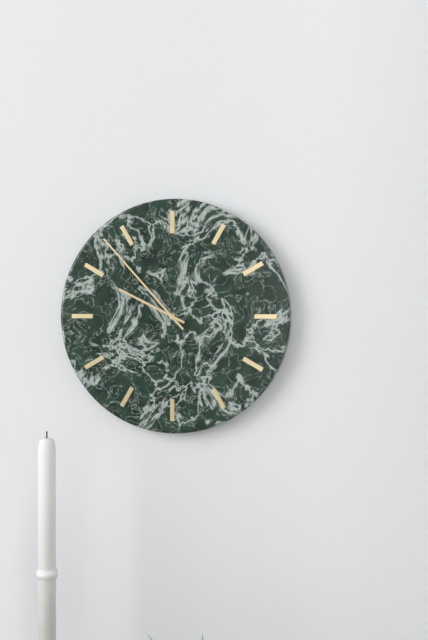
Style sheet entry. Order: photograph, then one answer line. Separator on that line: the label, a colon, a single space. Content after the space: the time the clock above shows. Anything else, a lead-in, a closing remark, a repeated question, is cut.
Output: 9:53
